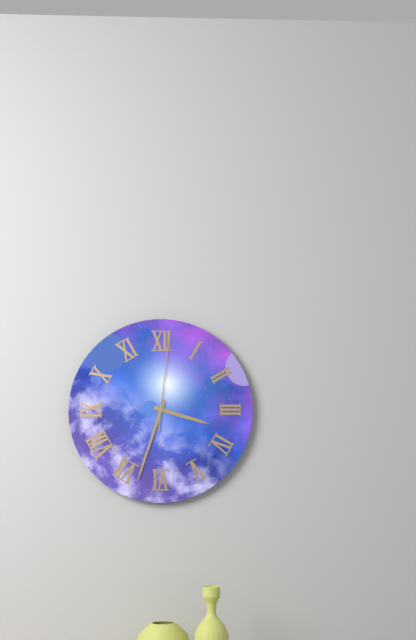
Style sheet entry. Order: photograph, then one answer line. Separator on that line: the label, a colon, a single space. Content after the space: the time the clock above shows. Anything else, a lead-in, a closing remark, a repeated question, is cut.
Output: 3:33:01
